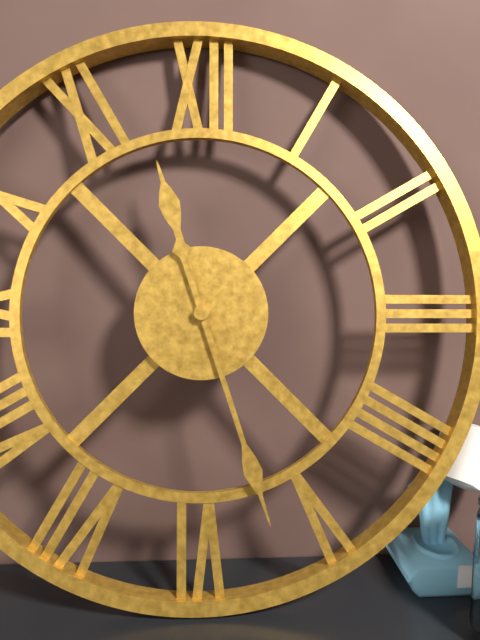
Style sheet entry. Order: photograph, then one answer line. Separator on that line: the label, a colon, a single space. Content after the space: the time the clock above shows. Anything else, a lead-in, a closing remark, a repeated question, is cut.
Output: 11:27
